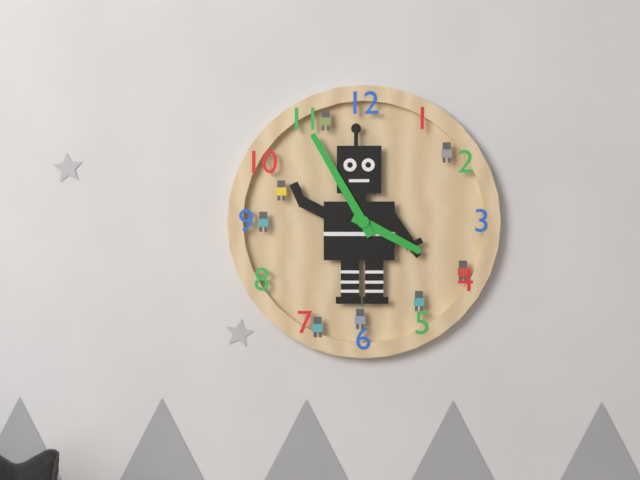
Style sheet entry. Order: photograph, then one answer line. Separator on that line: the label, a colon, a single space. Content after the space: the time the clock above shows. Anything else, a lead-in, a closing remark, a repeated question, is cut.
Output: 3:55
